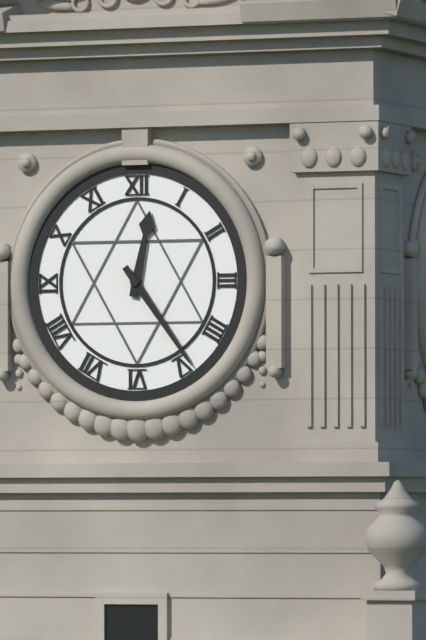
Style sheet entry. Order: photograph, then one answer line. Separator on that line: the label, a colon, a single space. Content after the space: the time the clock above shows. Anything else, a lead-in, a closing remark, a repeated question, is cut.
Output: 12:24
